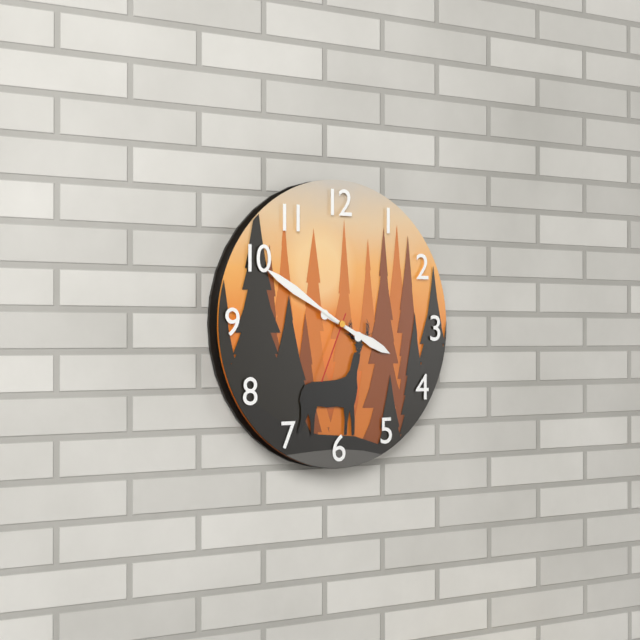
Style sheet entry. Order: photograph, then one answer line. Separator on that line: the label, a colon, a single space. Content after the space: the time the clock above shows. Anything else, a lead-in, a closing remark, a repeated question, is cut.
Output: 3:50:34
